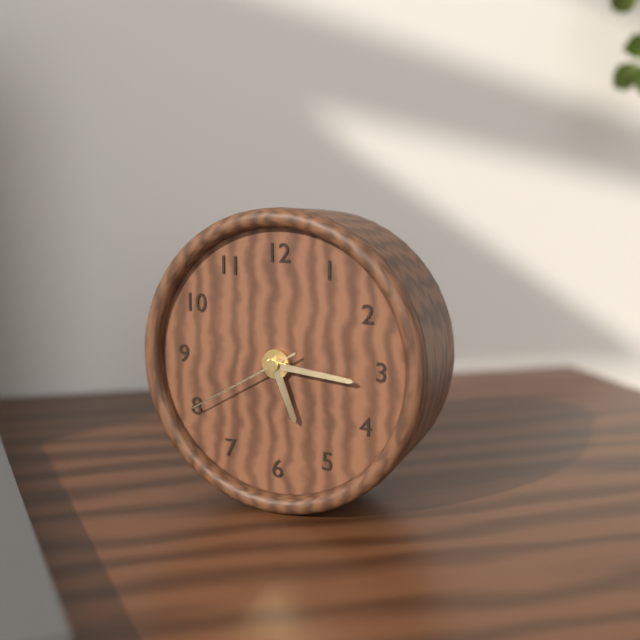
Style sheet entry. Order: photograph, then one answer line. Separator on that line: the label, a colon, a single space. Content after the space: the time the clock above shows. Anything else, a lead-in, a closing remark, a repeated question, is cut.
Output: 5:16:40
